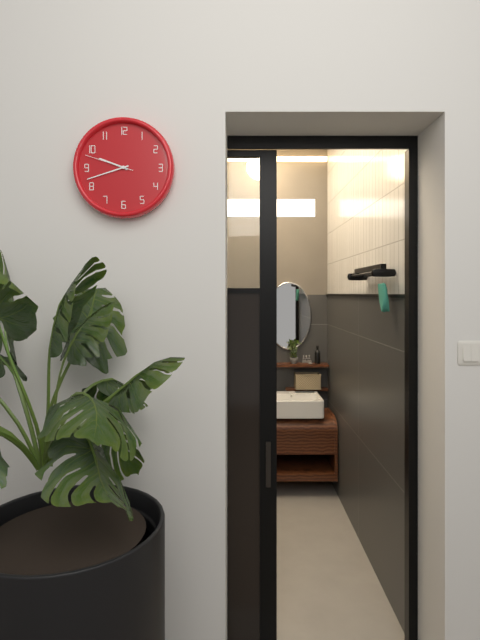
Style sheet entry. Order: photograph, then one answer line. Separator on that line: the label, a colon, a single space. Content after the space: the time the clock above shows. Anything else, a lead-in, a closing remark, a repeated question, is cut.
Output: 9:42:48
